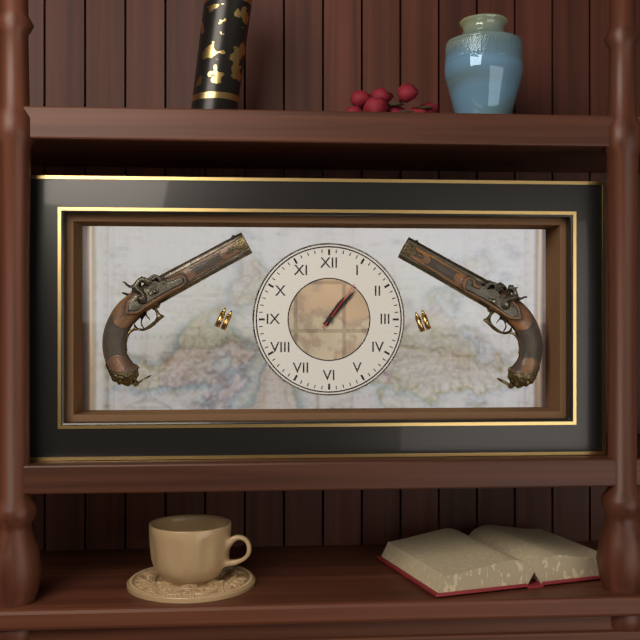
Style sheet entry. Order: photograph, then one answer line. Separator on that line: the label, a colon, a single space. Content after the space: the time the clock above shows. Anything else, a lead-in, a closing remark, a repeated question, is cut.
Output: 1:07:06
